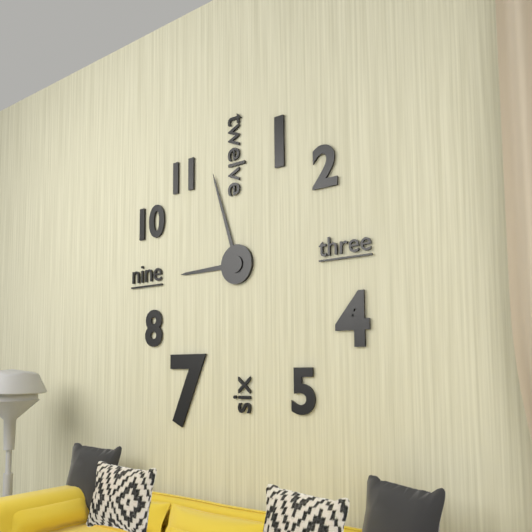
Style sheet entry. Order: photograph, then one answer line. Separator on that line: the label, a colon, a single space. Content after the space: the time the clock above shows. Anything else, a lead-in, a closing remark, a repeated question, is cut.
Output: 8:57
